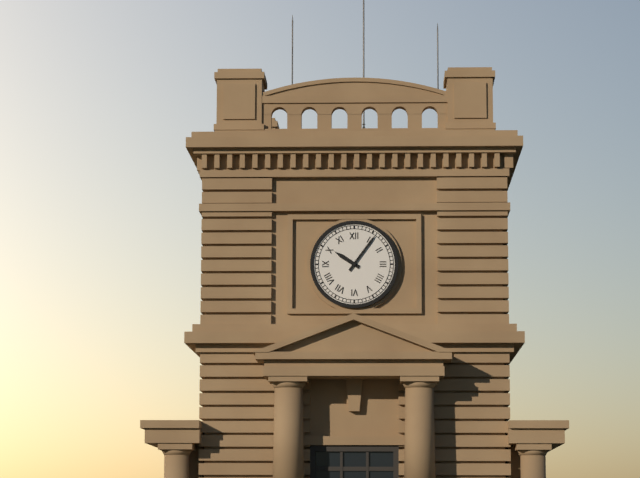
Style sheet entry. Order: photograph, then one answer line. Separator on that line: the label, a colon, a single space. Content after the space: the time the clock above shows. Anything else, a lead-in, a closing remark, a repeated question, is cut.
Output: 10:06
